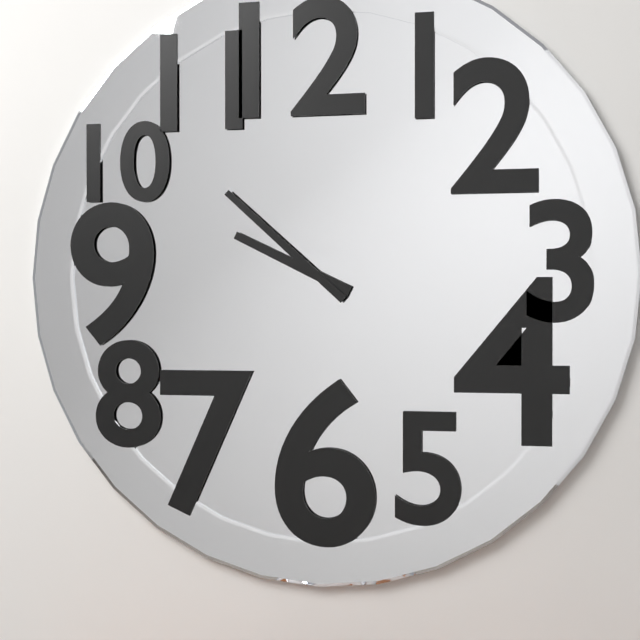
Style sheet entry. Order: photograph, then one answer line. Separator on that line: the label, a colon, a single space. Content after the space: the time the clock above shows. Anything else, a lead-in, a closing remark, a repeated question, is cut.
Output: 9:52
